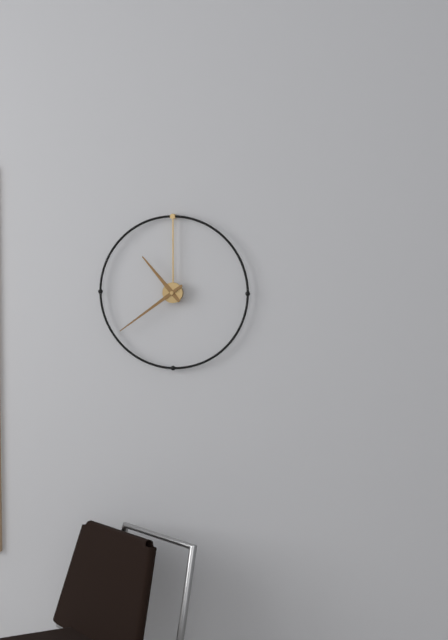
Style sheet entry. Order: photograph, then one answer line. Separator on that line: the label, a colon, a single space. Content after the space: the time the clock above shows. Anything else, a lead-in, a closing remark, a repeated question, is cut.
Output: 10:39
